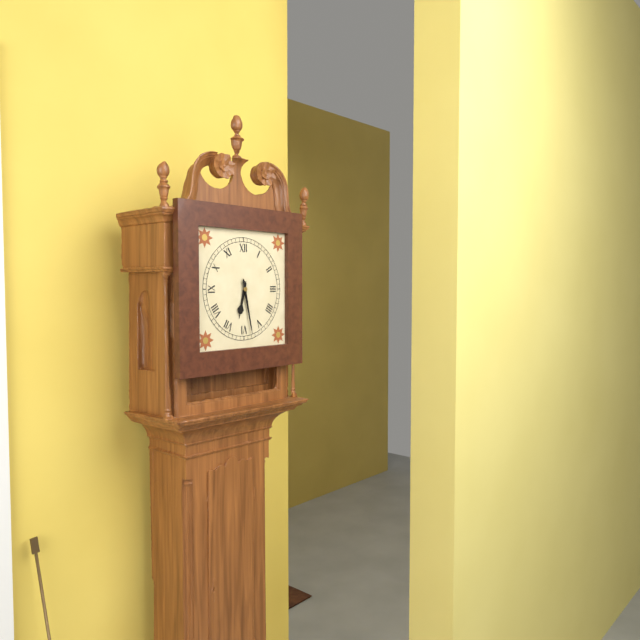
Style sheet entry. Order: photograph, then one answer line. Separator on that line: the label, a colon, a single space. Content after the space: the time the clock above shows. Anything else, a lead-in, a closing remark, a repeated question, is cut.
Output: 6:28
